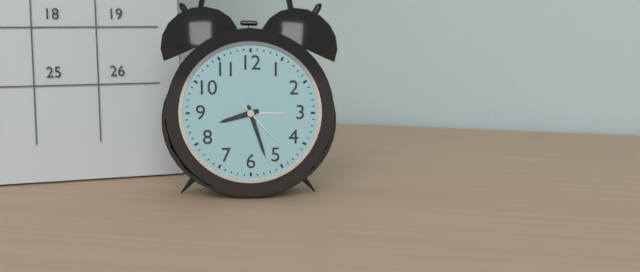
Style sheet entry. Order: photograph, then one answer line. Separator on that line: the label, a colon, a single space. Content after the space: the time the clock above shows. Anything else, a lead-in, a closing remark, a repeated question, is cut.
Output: 8:27:23
